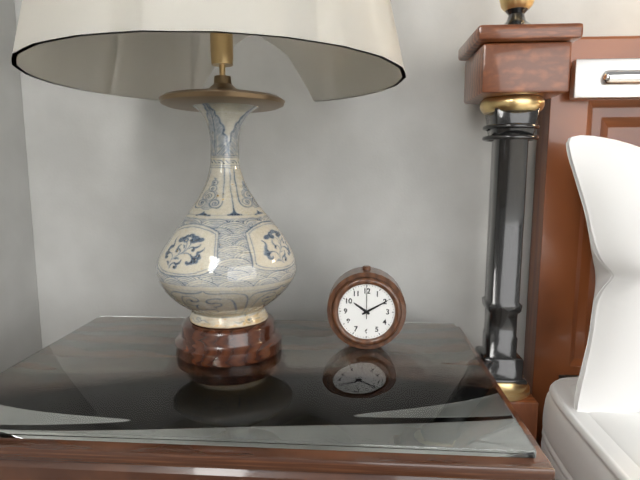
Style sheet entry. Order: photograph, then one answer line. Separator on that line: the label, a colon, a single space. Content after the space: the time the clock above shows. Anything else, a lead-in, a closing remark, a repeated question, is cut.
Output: 10:10
